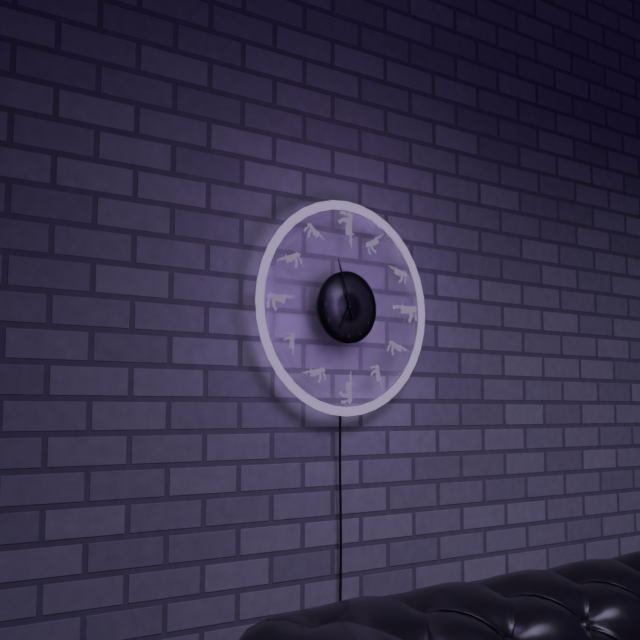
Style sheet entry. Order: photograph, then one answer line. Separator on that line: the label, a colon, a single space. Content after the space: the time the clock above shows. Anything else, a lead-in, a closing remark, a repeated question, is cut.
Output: 6:57
